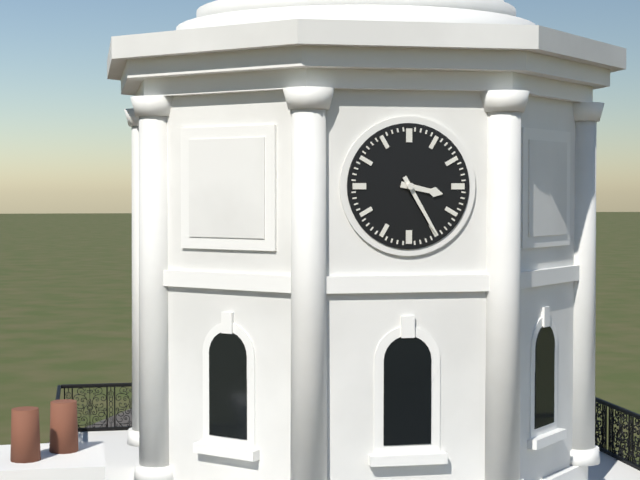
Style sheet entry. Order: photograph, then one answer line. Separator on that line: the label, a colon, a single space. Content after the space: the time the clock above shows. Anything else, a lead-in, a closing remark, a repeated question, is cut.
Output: 3:25
